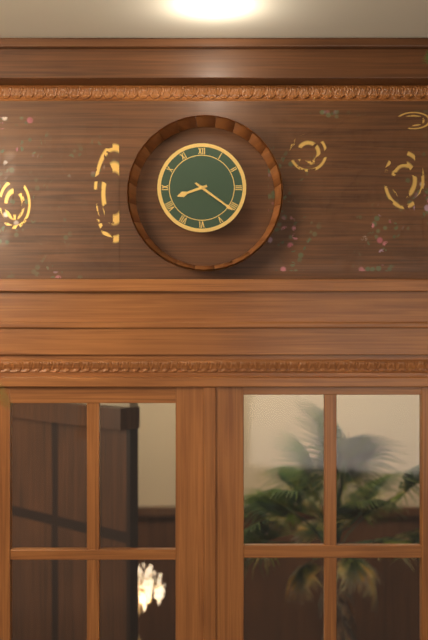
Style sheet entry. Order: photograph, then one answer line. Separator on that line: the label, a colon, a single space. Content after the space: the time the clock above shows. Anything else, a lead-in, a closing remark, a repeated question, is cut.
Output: 8:21
